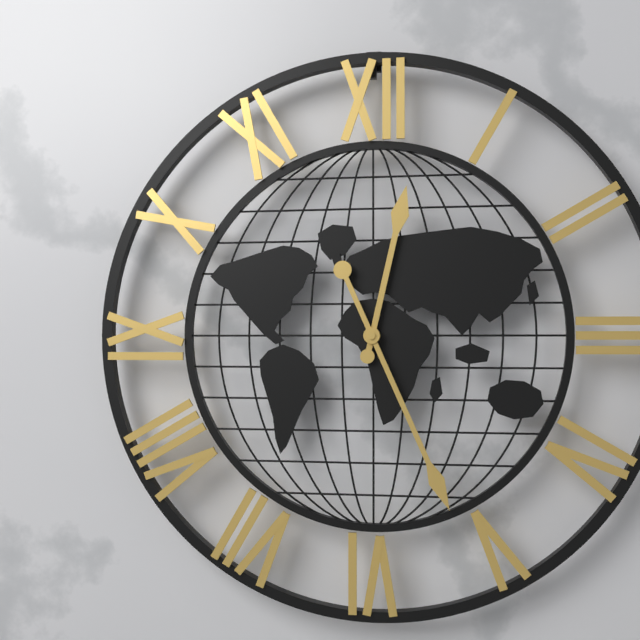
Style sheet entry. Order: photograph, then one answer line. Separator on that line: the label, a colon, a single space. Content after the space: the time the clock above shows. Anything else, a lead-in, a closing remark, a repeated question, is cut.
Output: 12:26
